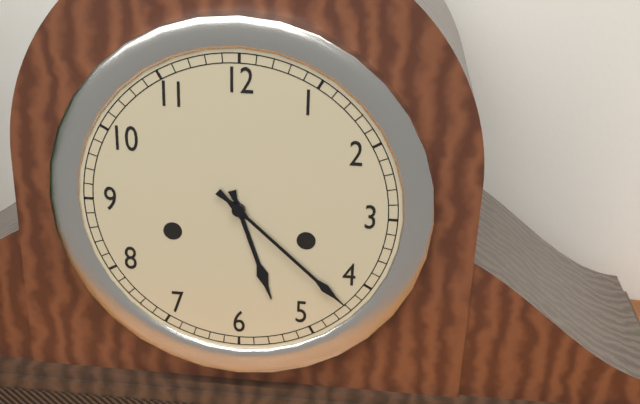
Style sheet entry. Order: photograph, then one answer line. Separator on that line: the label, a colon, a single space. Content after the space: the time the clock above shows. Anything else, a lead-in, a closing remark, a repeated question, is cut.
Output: 5:22
